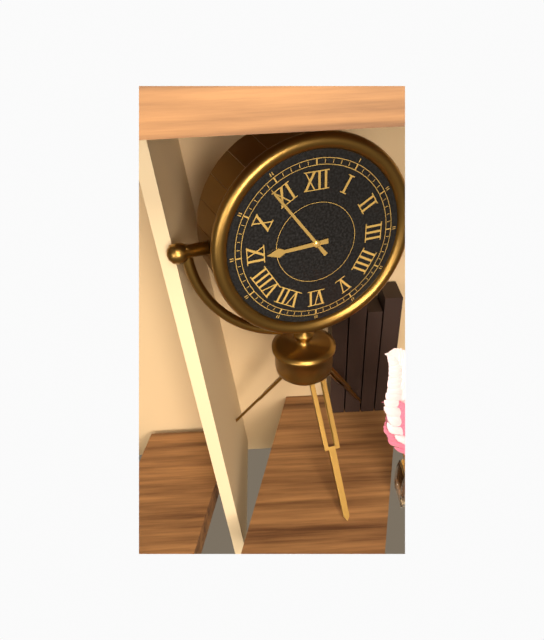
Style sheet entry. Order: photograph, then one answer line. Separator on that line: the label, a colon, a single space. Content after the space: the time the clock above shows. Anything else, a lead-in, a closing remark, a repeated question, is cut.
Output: 8:54
